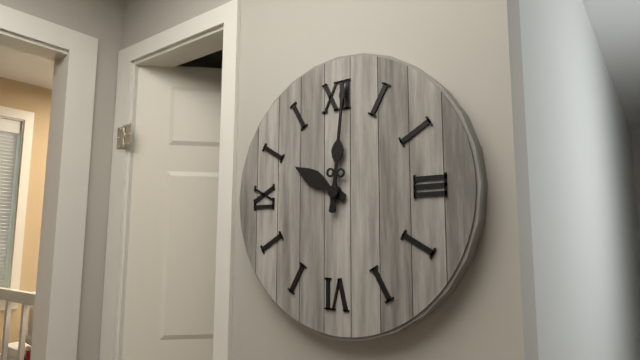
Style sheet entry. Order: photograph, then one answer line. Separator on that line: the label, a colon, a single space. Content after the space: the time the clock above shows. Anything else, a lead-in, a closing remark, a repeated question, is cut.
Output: 10:01
